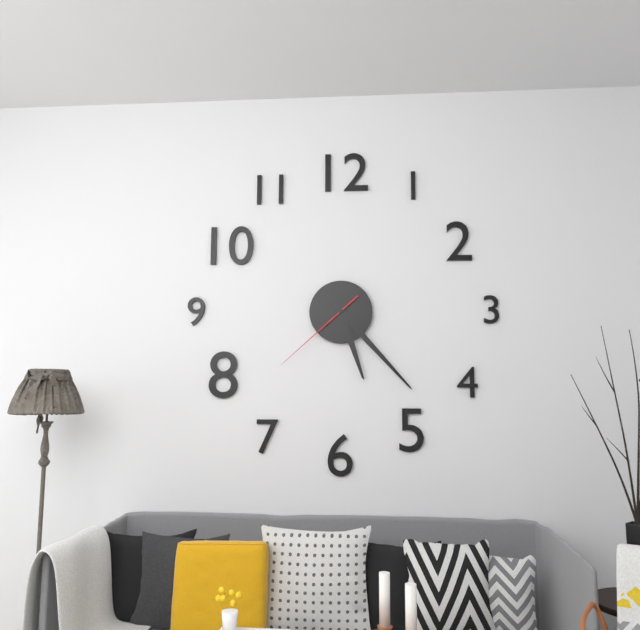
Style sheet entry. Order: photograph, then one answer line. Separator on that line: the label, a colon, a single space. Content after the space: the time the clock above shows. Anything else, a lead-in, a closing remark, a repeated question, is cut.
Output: 5:23:38
